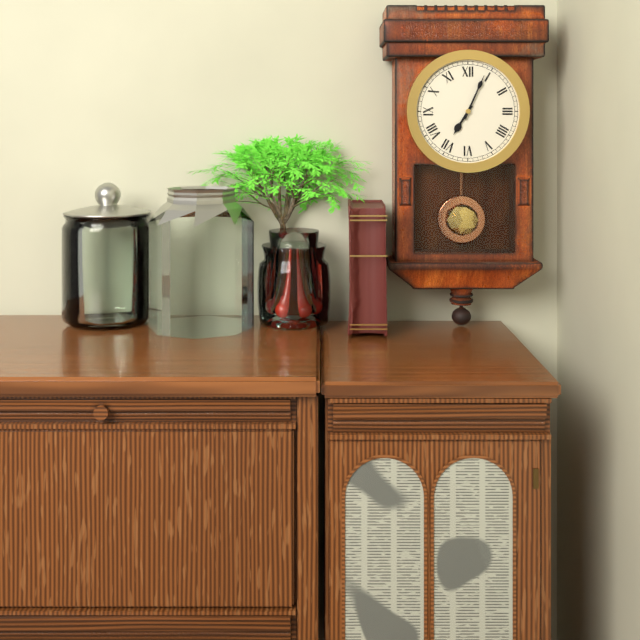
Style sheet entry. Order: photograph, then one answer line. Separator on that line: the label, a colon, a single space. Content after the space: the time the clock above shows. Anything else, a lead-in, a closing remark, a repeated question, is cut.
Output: 7:04
